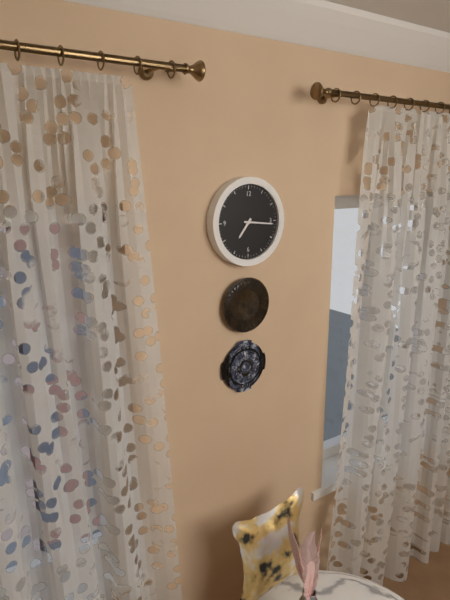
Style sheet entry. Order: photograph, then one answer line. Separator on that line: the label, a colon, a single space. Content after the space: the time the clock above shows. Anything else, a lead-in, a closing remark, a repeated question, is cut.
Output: 7:16
